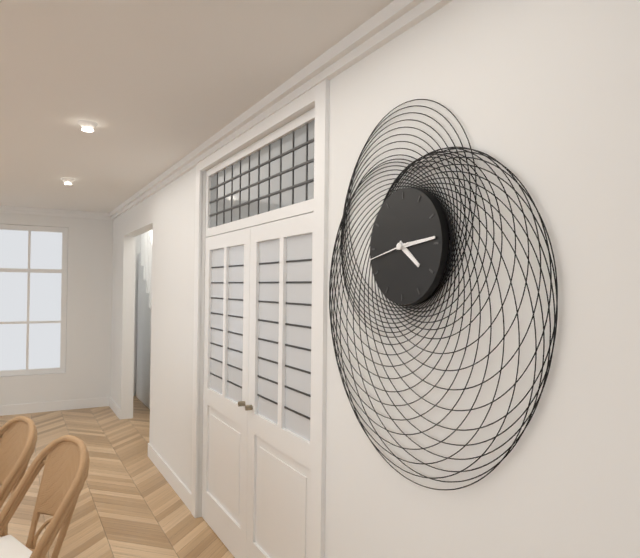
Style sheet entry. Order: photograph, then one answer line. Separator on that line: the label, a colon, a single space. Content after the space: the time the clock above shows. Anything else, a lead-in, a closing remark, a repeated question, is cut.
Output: 4:14
